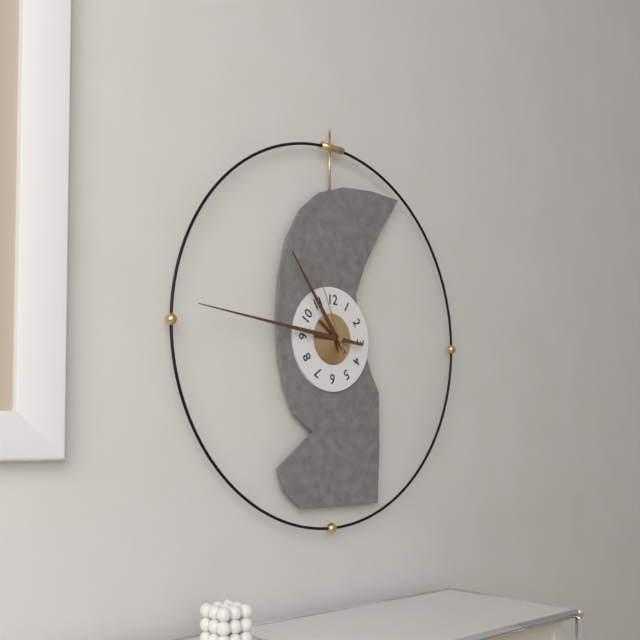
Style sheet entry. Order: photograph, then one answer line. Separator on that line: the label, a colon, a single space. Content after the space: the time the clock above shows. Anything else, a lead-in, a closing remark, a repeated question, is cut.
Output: 10:46:56
